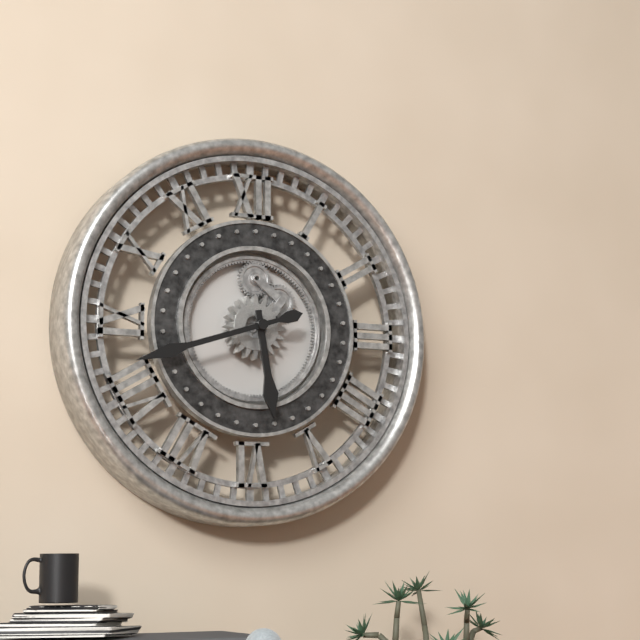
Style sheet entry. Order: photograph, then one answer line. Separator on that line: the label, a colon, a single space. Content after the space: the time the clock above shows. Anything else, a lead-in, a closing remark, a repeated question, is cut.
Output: 5:42
